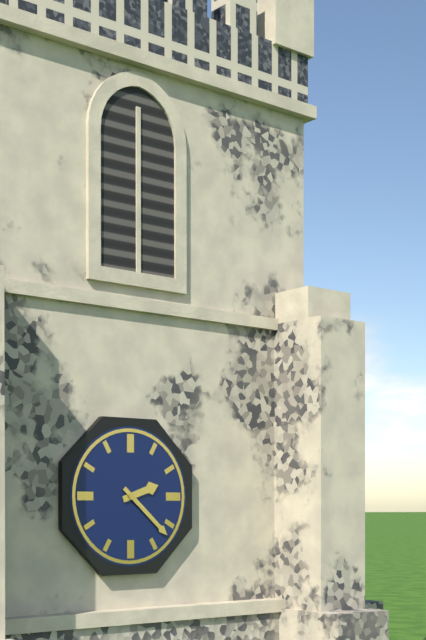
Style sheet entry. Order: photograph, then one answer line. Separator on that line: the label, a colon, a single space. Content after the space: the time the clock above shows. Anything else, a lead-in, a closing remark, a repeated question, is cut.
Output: 2:22
